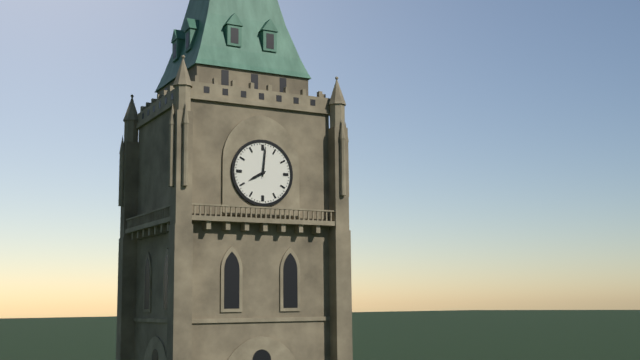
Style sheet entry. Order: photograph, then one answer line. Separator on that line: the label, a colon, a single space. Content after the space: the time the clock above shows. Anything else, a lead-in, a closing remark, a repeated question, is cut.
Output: 8:01
